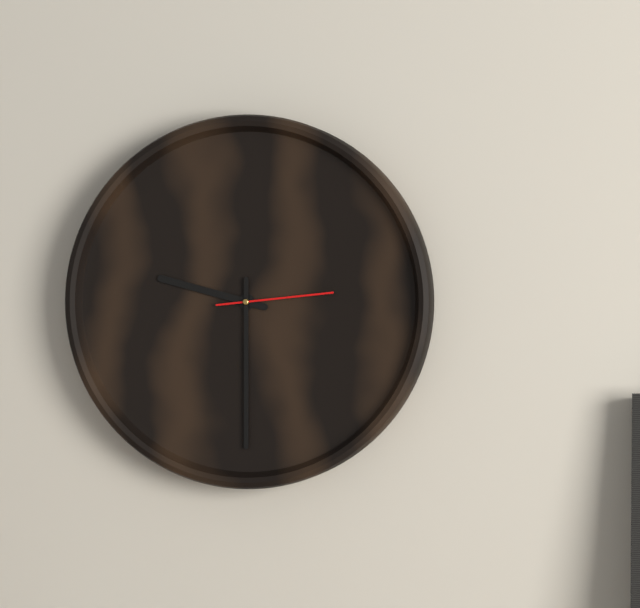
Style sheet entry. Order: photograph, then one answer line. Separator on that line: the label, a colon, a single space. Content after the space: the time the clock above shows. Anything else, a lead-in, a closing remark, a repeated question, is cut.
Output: 9:30:14
